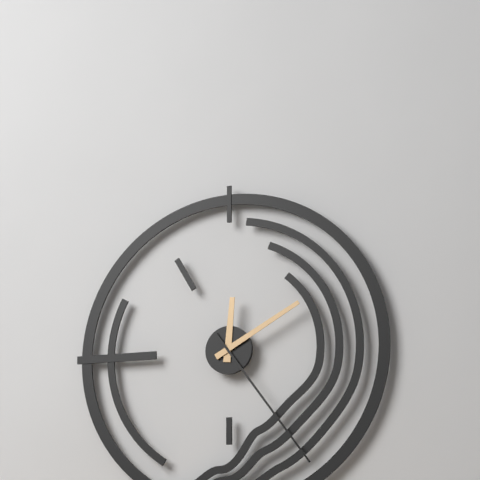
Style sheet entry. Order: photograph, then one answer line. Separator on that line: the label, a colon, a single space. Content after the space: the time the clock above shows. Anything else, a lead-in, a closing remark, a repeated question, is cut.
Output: 12:10:24
